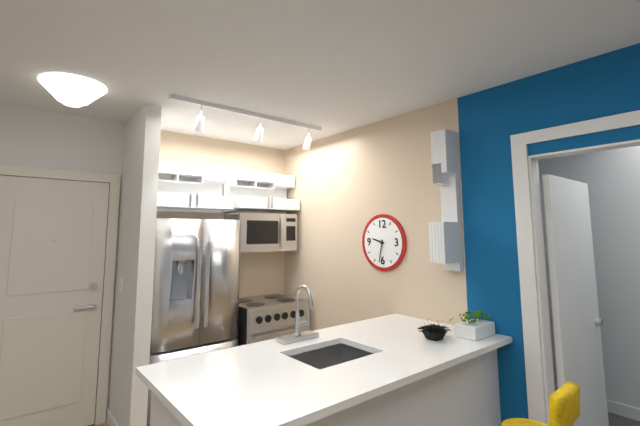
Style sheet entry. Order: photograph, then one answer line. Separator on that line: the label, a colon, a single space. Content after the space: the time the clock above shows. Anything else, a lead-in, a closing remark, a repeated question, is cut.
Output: 9:32
